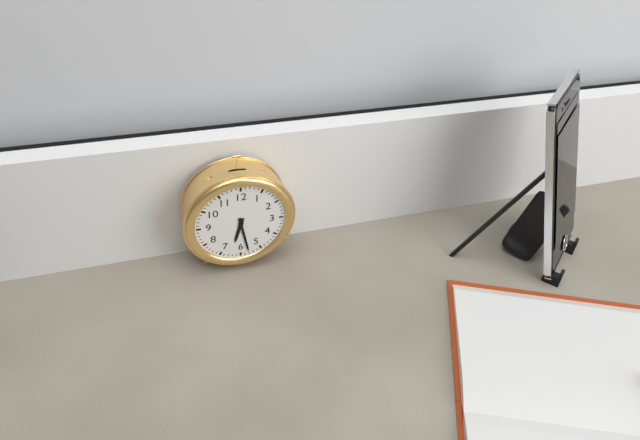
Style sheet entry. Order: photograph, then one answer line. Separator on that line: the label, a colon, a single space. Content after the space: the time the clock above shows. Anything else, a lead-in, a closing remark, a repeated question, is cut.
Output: 6:28
